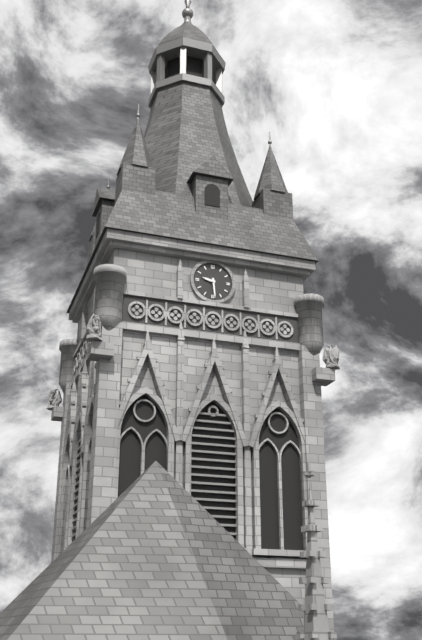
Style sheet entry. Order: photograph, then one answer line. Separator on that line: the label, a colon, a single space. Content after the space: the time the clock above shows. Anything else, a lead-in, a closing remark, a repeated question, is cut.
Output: 9:29
